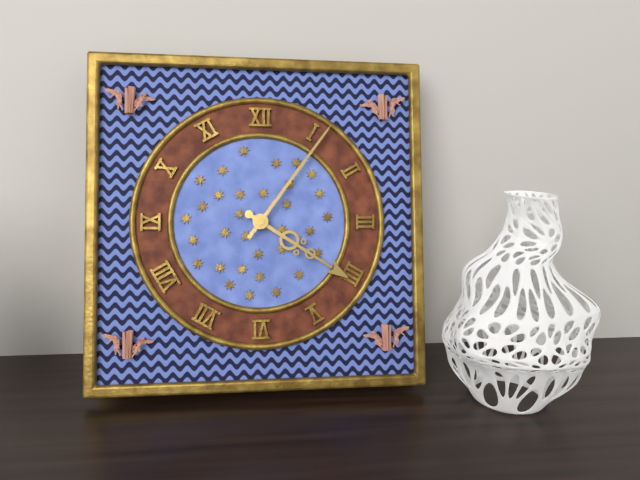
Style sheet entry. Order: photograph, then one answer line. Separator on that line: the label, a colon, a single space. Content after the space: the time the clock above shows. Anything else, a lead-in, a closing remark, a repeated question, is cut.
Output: 4:06
